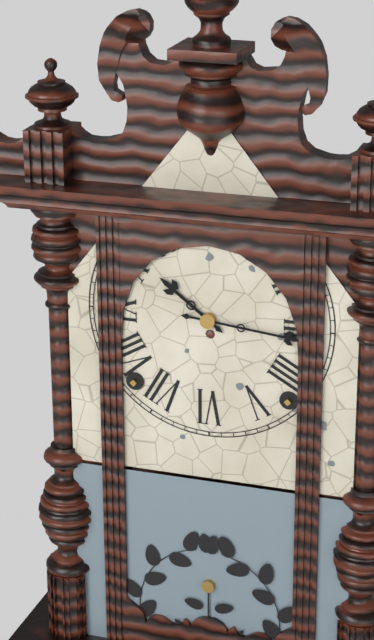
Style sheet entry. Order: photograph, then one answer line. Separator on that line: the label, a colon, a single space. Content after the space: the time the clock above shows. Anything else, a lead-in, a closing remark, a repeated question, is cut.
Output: 10:16
